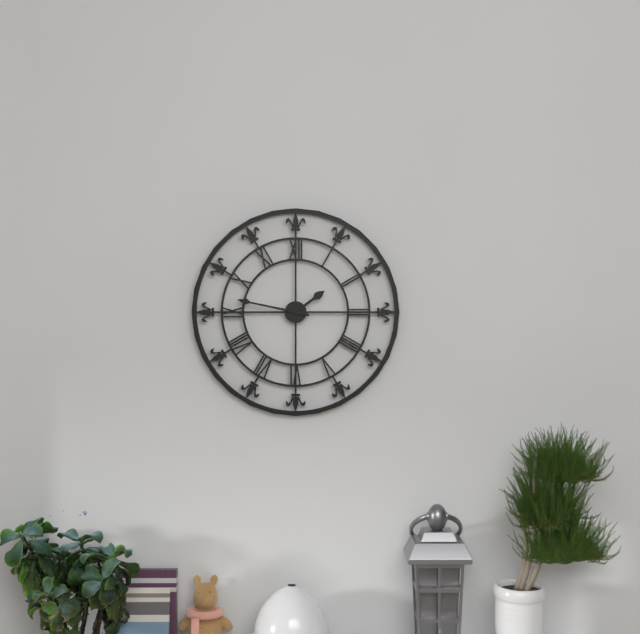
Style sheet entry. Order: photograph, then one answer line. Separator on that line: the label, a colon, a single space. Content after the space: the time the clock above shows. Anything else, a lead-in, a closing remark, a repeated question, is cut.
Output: 1:47
